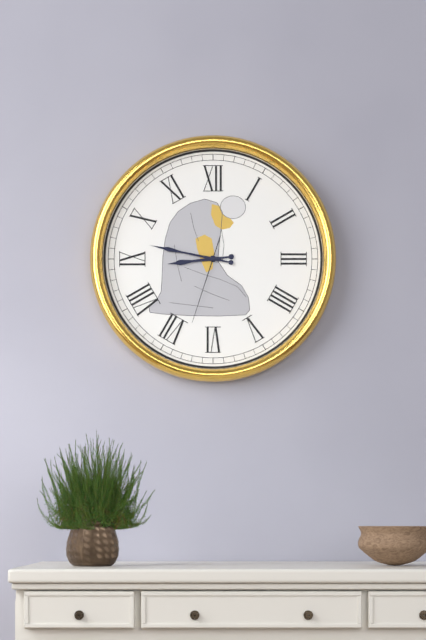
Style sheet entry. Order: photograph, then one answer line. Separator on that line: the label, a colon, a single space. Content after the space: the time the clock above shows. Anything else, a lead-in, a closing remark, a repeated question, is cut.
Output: 8:47:33
